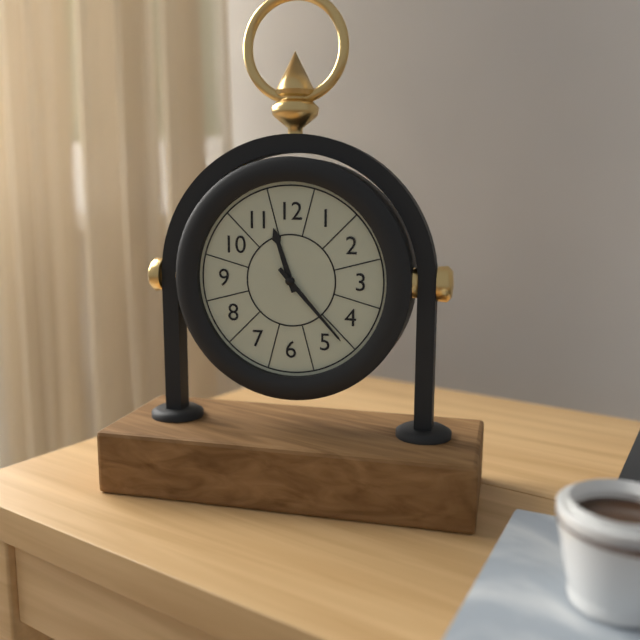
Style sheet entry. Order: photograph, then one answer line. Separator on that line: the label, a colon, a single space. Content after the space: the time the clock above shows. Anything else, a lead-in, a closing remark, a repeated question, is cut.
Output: 11:23
